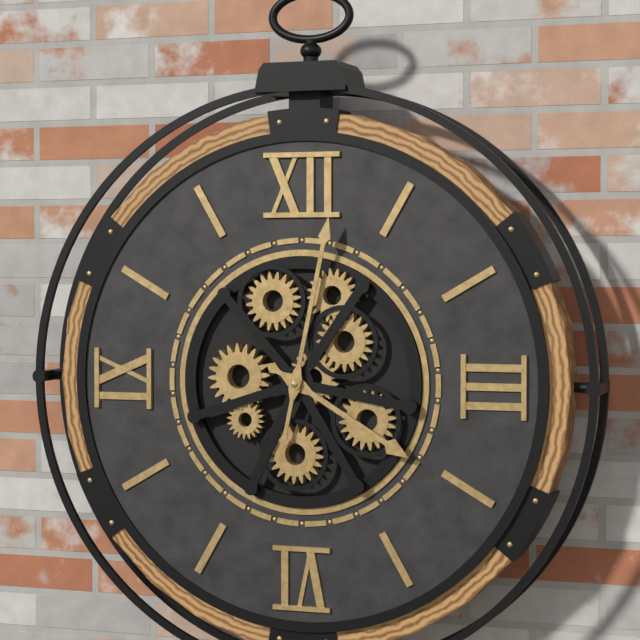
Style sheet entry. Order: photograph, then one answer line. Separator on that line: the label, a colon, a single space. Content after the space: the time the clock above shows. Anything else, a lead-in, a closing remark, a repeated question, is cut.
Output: 4:02
